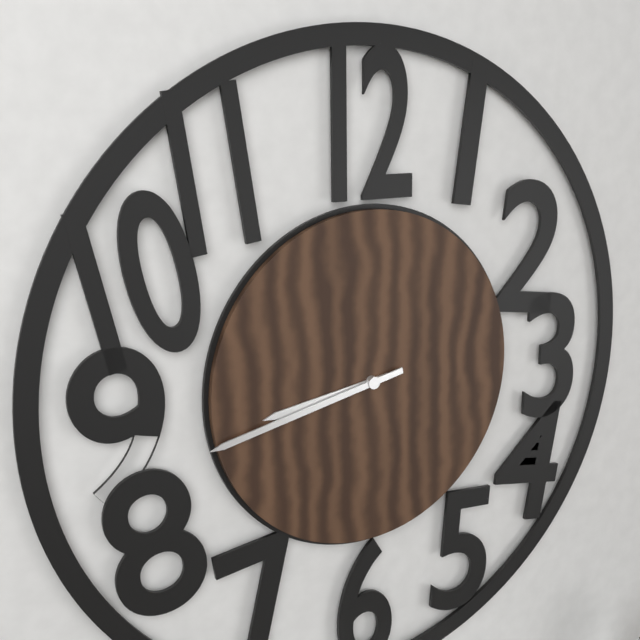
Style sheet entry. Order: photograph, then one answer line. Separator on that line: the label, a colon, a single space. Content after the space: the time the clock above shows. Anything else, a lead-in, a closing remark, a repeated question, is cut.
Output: 8:43
